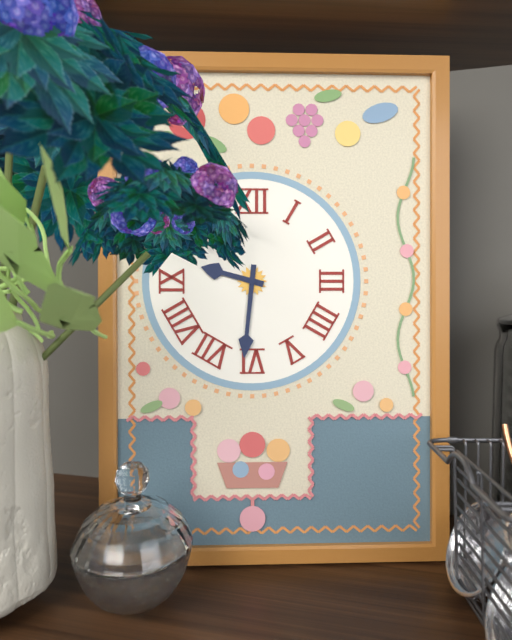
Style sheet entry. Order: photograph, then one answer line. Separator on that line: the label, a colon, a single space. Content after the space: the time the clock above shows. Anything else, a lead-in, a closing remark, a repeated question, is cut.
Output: 9:31
